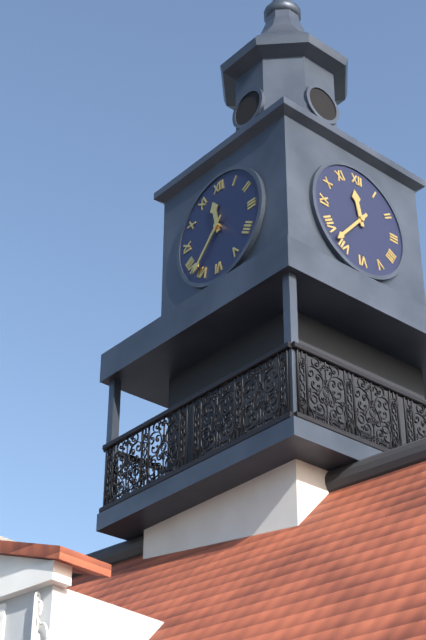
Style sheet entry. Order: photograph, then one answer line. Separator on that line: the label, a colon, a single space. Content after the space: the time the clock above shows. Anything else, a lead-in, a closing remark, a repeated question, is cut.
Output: 11:37
